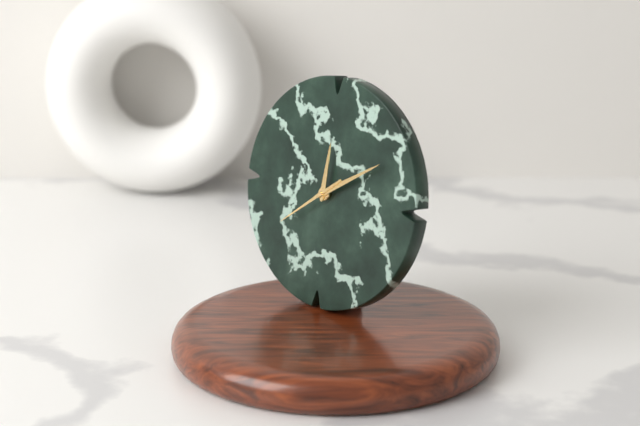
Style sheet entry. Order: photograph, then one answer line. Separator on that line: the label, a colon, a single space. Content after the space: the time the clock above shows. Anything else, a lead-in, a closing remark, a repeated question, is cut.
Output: 12:10:39
